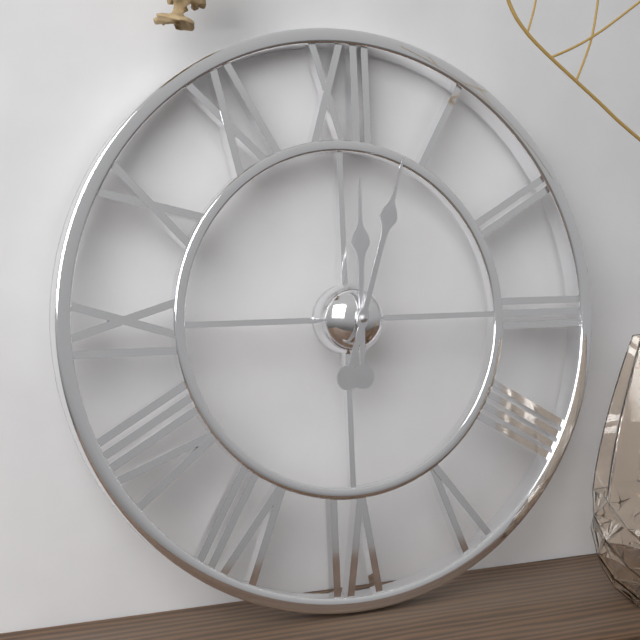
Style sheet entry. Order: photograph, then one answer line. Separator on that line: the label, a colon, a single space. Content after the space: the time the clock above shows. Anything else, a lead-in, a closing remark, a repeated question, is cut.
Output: 12:03
